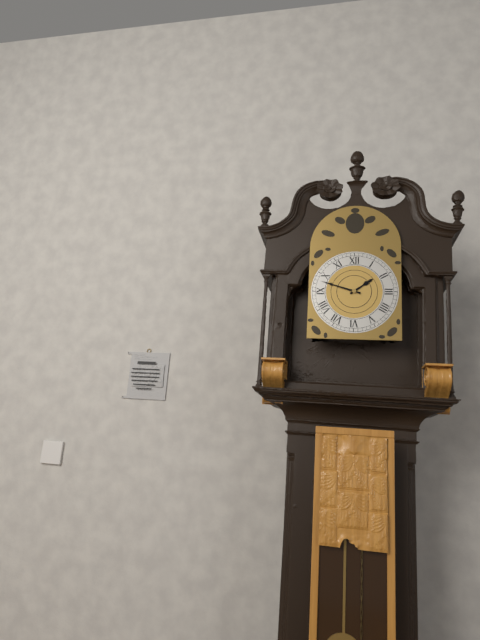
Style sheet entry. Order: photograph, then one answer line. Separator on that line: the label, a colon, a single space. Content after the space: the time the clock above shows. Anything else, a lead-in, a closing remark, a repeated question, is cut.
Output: 1:48
